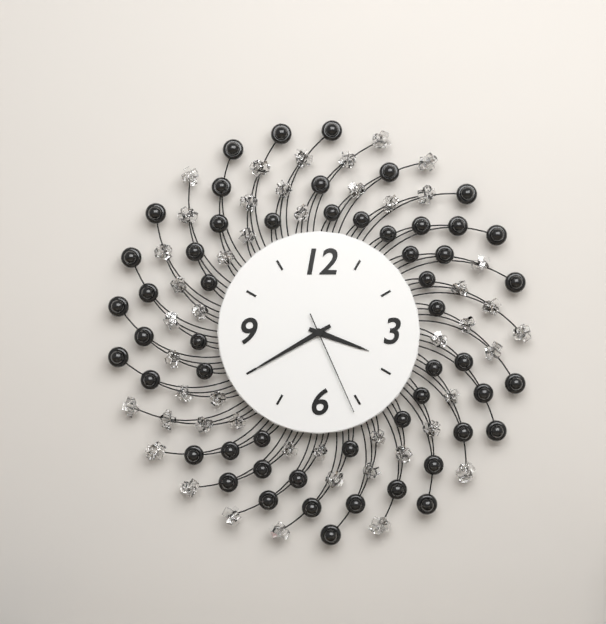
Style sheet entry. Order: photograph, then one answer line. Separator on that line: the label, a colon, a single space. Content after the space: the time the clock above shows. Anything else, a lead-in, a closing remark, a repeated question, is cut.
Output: 3:40:26
